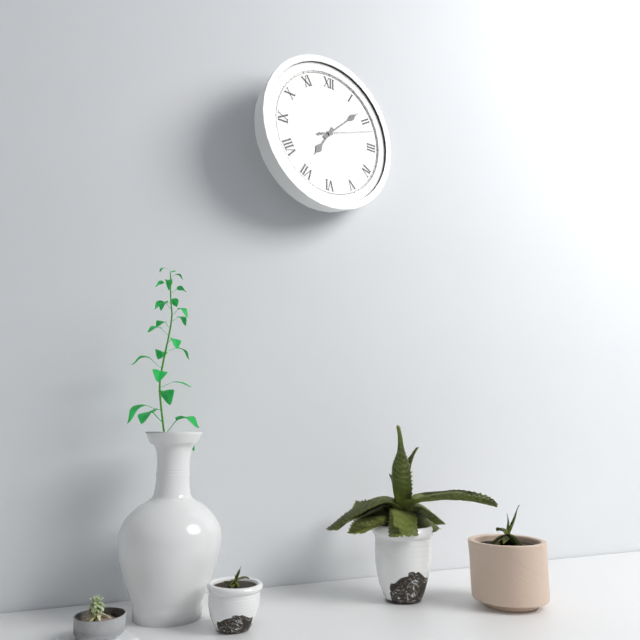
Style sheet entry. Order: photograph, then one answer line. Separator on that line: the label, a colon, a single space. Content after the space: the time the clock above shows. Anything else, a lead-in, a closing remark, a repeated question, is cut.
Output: 7:08:12
